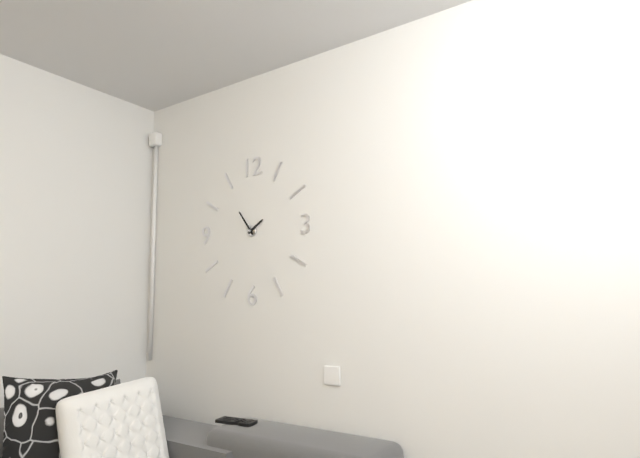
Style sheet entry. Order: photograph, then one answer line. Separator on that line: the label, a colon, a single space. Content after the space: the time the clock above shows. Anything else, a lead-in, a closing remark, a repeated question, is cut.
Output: 1:54
